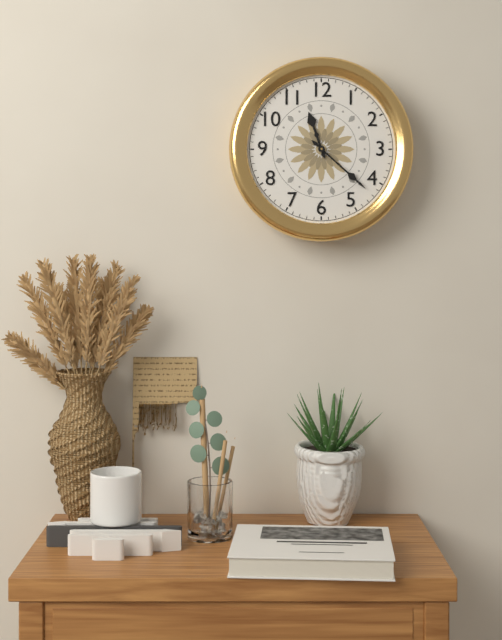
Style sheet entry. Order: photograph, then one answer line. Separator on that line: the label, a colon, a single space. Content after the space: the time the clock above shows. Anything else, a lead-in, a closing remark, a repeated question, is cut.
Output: 11:22
